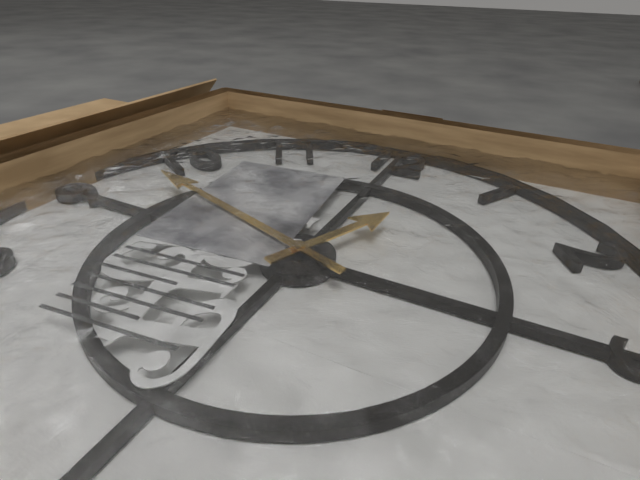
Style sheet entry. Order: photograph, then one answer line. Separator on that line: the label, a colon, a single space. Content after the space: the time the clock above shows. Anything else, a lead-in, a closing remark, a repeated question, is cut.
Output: 12:48
